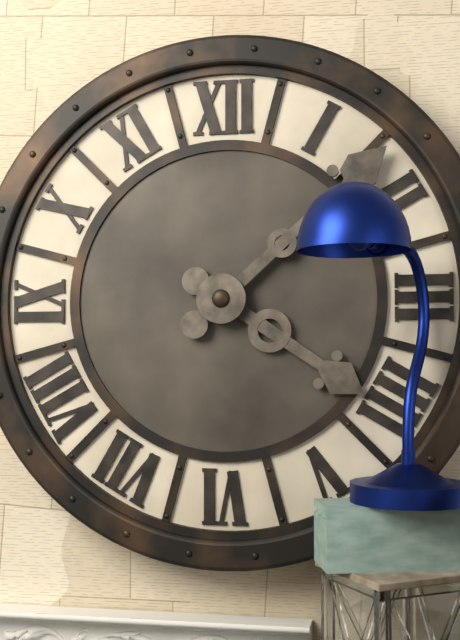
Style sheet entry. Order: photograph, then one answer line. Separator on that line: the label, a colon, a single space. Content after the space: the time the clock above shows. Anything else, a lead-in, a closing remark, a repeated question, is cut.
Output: 4:08
